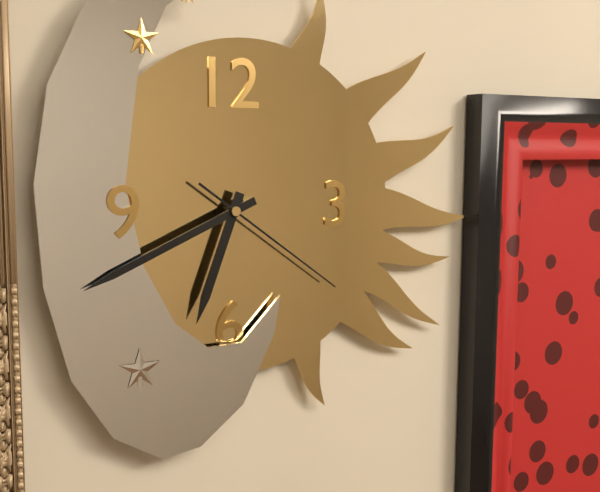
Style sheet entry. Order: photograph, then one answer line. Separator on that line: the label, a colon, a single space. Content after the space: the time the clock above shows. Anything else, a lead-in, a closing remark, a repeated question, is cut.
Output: 6:41:21
